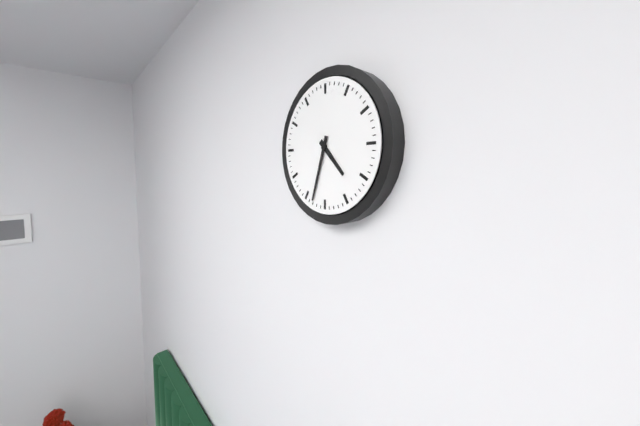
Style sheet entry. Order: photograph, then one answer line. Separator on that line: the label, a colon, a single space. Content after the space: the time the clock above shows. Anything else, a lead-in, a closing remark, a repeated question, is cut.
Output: 4:33
